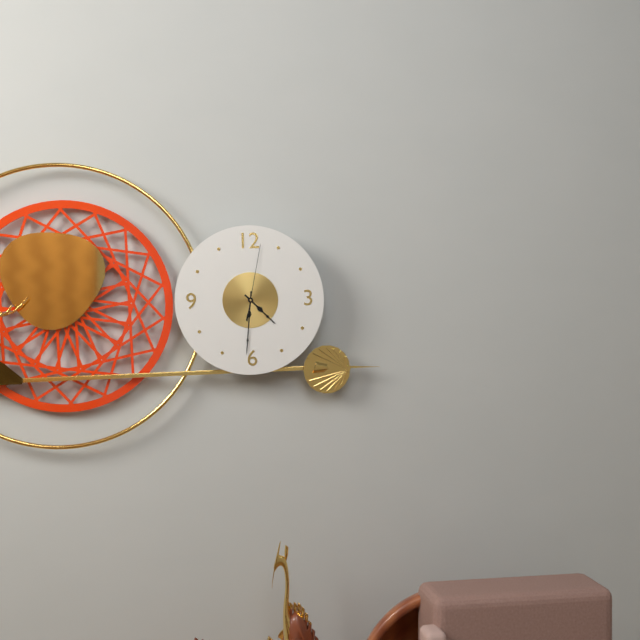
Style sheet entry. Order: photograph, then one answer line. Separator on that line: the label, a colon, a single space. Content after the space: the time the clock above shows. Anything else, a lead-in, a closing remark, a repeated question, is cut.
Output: 4:31:02
